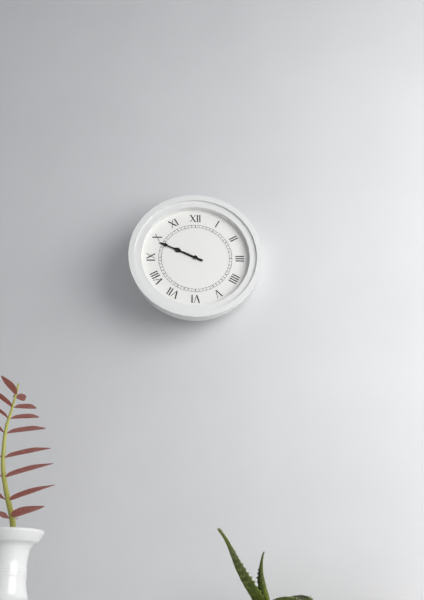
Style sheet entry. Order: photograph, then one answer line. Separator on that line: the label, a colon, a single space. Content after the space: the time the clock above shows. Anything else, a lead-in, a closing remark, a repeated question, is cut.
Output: 9:49
